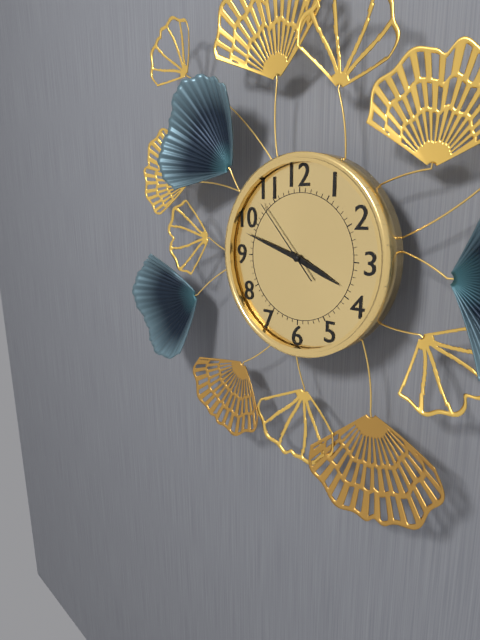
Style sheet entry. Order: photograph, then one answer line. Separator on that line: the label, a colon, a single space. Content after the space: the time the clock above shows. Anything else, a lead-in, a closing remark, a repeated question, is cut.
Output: 3:48:53
